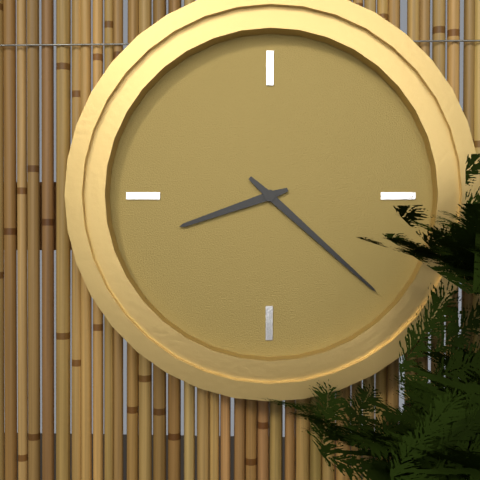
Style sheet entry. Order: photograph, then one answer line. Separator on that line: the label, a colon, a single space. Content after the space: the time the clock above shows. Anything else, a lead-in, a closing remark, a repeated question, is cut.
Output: 8:22
